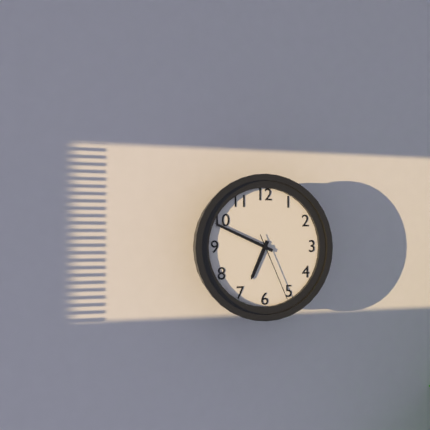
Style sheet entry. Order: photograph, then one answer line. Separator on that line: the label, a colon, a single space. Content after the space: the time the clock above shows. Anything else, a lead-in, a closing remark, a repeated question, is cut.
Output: 6:49:26
